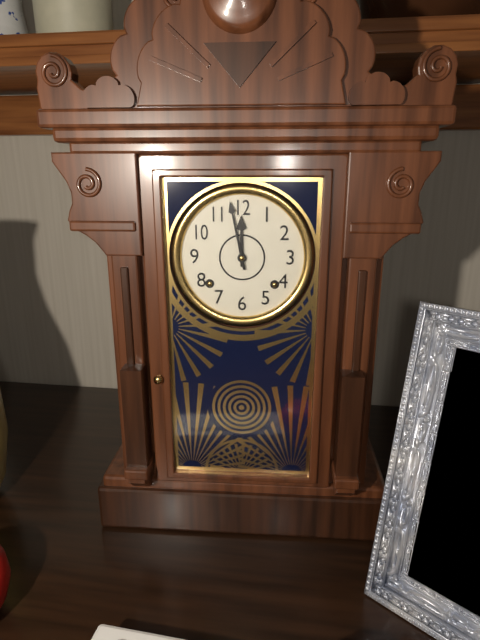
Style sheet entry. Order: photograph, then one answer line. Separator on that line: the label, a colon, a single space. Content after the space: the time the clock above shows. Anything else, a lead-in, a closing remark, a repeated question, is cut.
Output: 11:58
